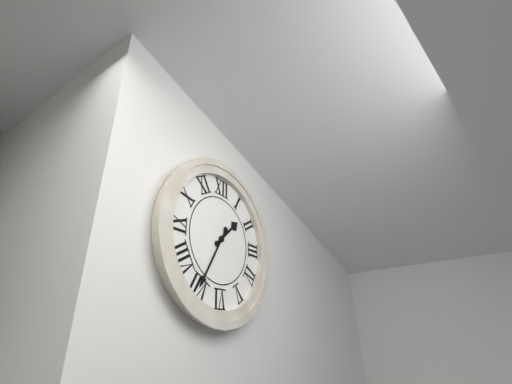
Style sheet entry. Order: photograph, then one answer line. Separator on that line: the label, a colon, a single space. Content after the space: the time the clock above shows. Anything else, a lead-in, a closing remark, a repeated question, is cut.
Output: 1:35
